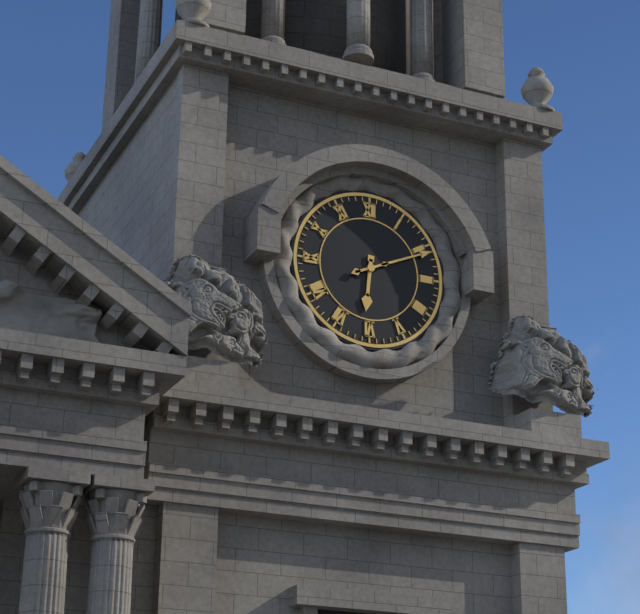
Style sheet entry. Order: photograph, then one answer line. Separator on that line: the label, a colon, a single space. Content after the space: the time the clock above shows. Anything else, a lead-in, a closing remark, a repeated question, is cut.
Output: 6:11
